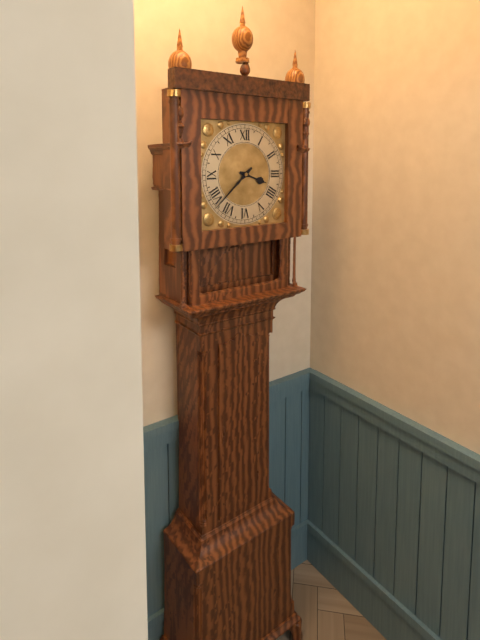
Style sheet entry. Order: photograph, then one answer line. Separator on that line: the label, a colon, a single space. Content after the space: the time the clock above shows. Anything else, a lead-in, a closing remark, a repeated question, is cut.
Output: 3:38
